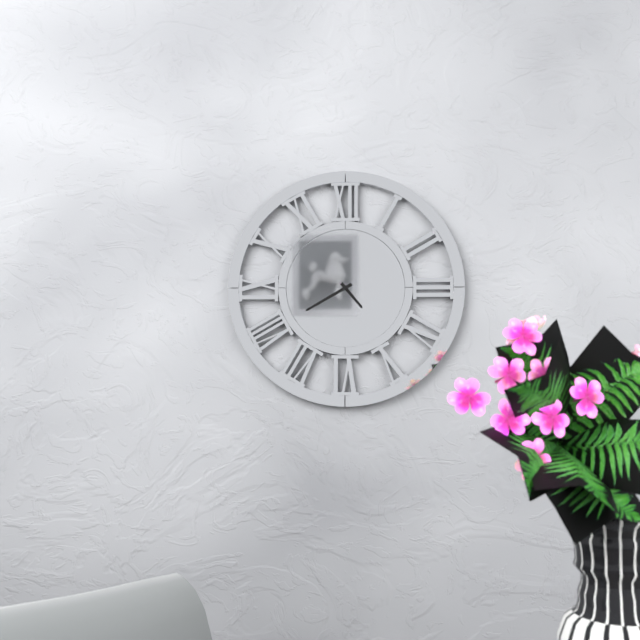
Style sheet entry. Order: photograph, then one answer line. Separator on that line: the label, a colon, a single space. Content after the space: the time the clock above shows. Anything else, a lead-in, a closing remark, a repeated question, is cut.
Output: 4:40
